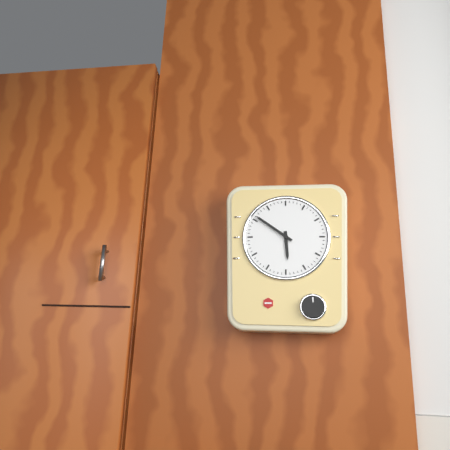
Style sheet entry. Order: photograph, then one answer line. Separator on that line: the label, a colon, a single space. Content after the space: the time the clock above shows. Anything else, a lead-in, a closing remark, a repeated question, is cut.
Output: 5:51
